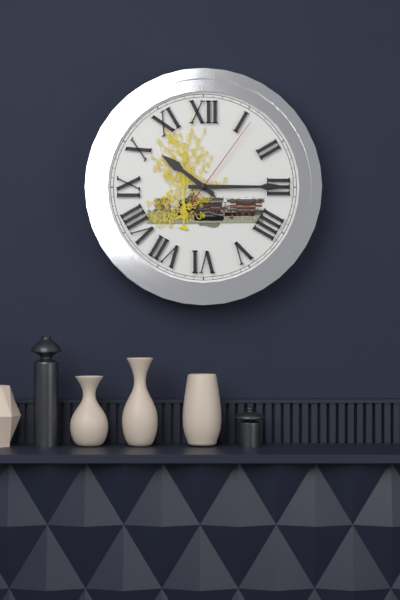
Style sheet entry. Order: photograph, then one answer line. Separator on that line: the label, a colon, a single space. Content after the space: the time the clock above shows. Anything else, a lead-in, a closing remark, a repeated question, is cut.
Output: 10:15:06
